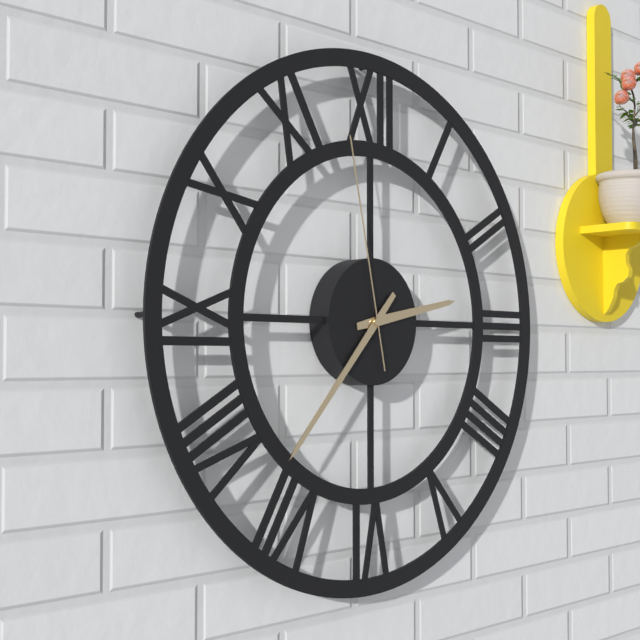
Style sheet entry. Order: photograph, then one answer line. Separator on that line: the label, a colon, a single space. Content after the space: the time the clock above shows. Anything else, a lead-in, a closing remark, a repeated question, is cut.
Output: 2:37:58
